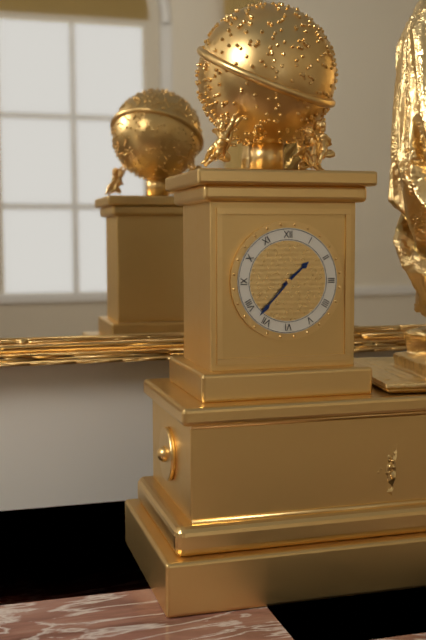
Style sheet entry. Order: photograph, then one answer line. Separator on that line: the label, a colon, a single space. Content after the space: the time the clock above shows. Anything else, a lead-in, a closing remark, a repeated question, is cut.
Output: 1:37
